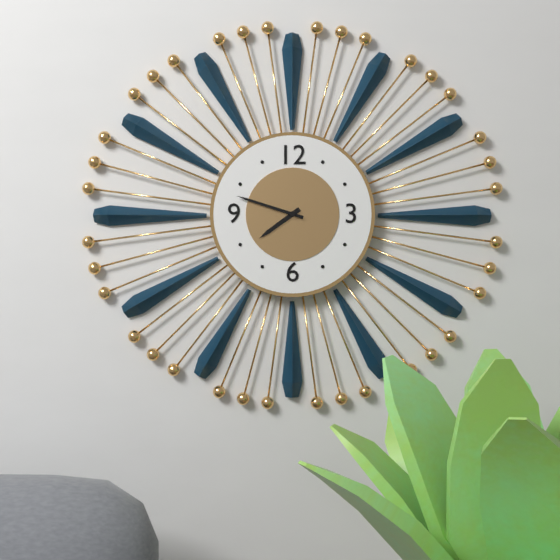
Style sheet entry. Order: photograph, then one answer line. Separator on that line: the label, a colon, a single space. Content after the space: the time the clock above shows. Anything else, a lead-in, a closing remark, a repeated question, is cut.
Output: 7:48
